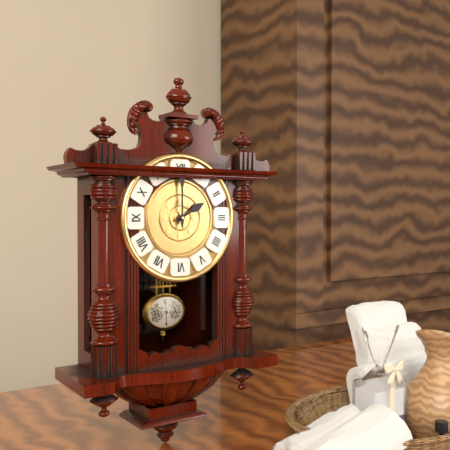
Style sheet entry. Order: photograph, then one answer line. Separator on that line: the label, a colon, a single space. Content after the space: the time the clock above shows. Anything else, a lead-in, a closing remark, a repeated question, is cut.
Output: 2:00
